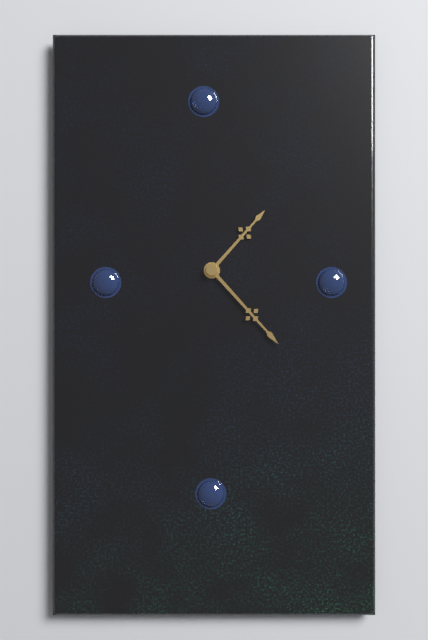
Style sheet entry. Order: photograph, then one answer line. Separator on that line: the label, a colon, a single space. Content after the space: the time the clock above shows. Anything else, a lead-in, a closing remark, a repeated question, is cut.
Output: 1:23
